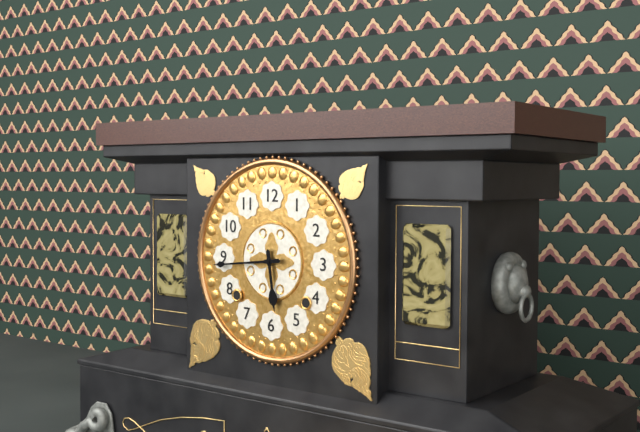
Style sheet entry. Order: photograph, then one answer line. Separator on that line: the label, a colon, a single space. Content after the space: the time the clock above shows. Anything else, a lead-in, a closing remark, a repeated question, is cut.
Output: 5:44
